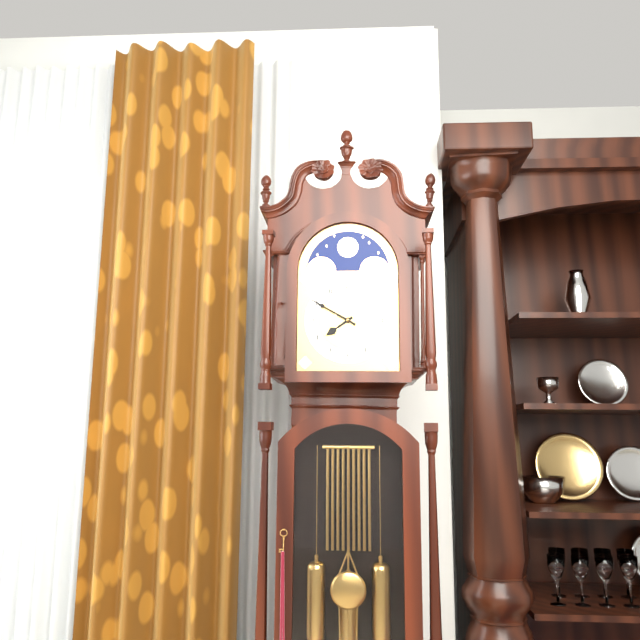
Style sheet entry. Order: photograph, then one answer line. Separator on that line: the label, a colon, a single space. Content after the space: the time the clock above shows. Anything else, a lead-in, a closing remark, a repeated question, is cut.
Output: 7:50
